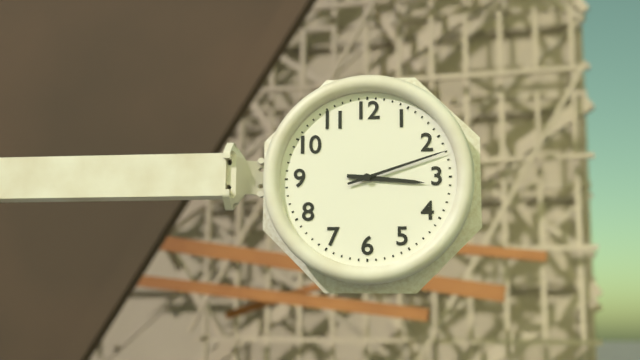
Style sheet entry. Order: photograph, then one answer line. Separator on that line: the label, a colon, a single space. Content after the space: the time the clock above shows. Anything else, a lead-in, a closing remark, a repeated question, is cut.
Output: 3:12
